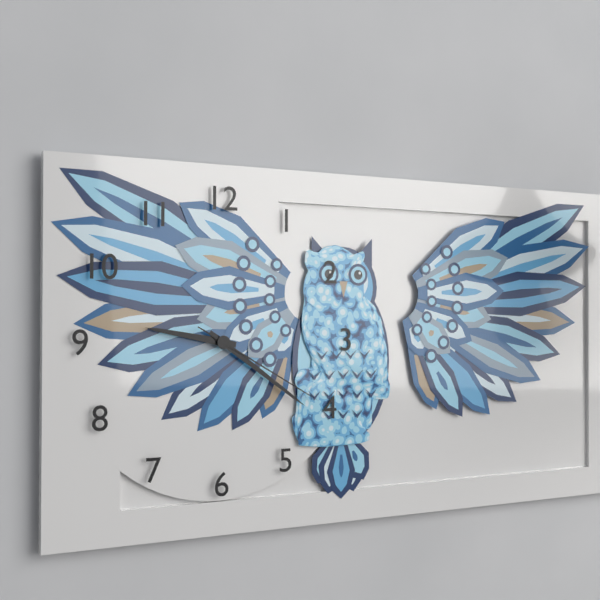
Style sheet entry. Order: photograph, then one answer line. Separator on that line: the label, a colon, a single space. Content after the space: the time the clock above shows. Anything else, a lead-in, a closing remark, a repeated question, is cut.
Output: 9:21:20
